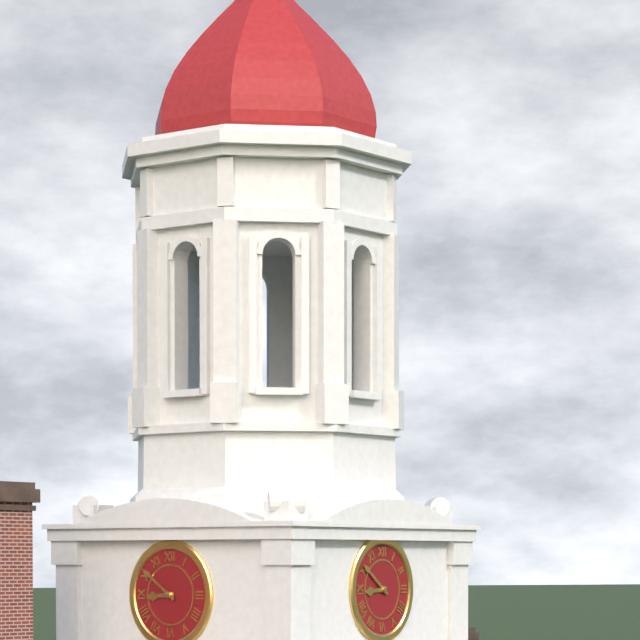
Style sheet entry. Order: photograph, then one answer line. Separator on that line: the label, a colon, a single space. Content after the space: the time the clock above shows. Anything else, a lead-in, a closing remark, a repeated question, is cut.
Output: 8:51
